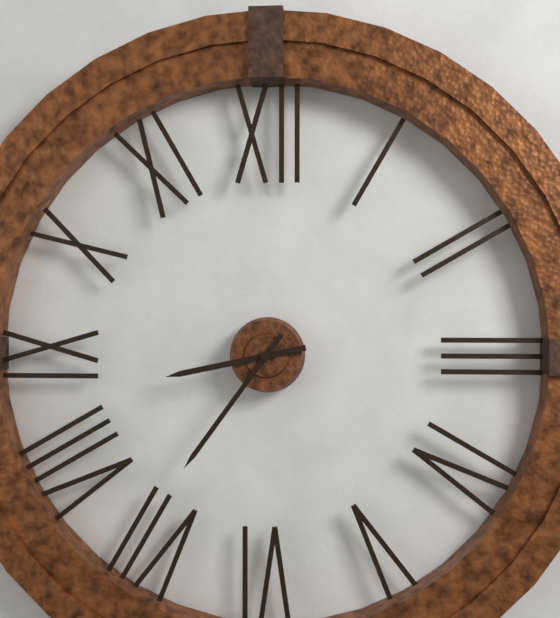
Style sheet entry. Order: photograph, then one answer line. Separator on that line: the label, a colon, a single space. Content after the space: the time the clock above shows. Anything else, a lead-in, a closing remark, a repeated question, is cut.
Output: 8:36
